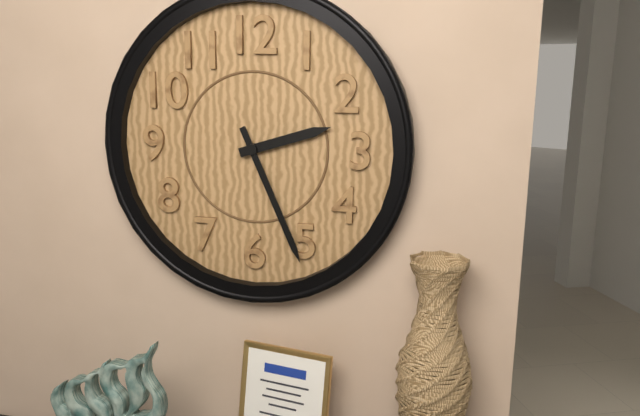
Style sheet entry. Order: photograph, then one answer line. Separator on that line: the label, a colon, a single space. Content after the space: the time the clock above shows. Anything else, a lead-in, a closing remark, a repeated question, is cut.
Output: 2:26
